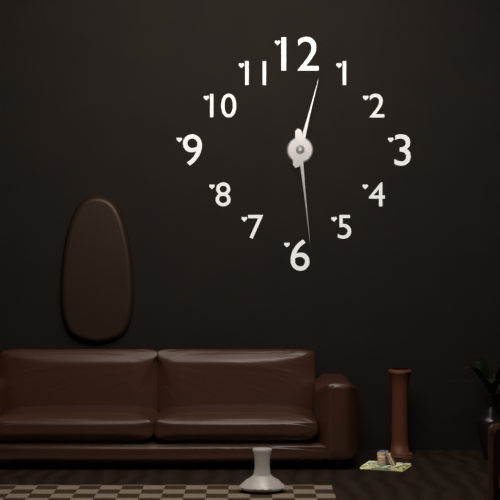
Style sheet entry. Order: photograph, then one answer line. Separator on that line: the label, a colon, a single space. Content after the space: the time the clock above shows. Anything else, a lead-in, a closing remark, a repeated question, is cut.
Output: 12:29
